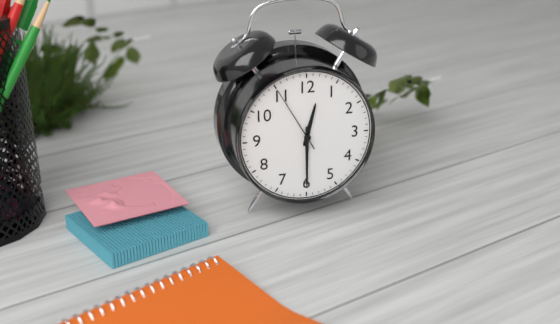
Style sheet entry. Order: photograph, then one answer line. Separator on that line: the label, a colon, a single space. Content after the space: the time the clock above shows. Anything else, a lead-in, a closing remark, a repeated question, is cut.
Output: 12:30:55
